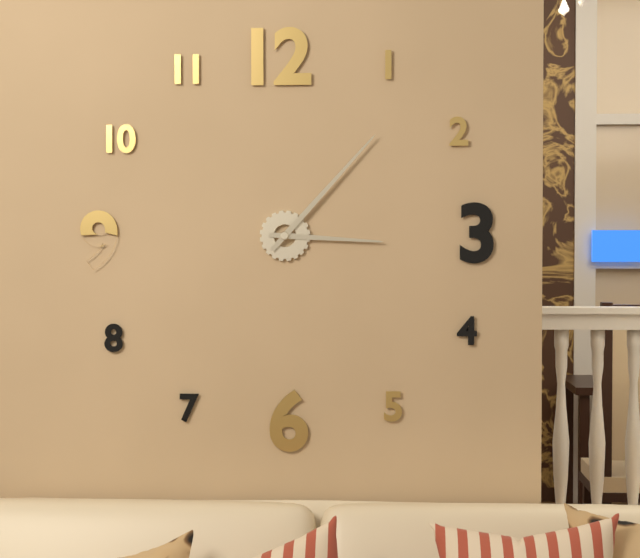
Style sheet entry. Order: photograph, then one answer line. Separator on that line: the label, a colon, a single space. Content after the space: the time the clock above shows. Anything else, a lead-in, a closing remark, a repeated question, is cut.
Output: 3:07
